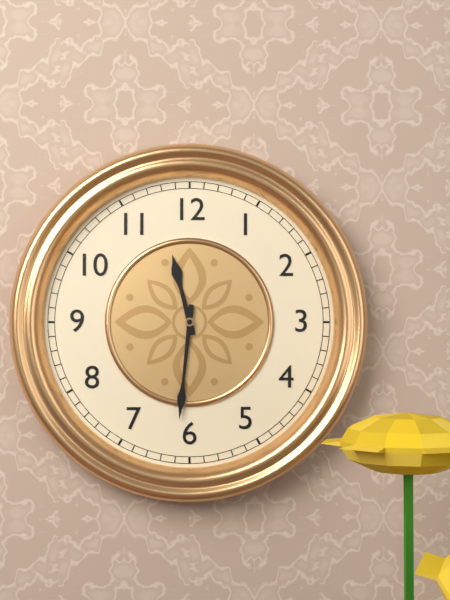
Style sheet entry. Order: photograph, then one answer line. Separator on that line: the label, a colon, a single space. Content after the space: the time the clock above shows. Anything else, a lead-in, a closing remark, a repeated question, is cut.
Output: 11:31
